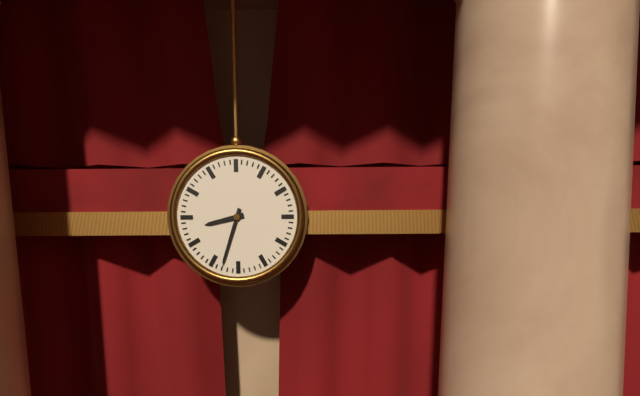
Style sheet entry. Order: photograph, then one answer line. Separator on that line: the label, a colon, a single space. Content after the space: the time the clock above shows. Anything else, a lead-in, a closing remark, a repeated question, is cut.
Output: 8:33
